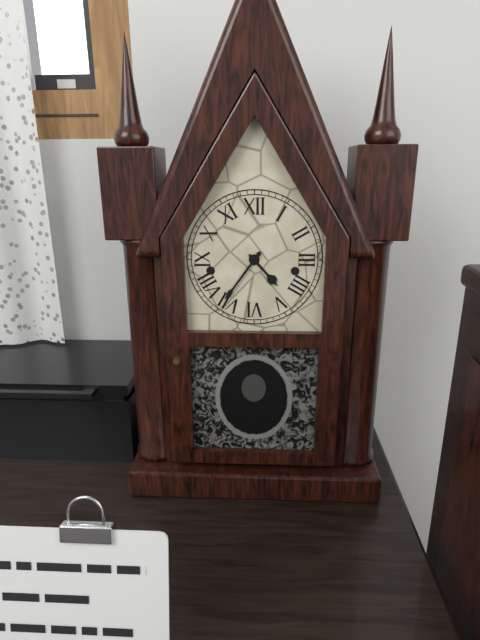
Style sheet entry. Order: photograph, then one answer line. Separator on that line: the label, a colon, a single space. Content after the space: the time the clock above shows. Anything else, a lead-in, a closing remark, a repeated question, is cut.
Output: 4:36
